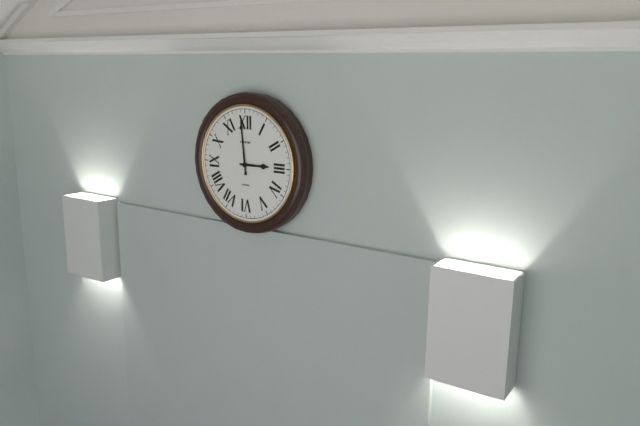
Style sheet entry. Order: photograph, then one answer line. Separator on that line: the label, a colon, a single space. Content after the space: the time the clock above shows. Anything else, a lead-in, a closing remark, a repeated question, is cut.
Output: 2:59
